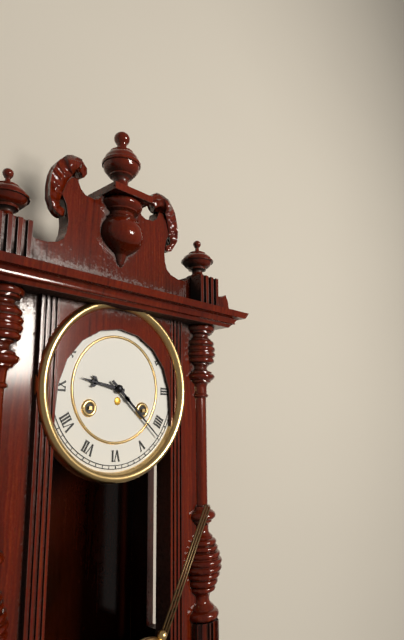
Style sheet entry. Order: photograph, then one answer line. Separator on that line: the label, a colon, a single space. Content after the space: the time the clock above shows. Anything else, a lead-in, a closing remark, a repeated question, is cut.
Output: 9:22
